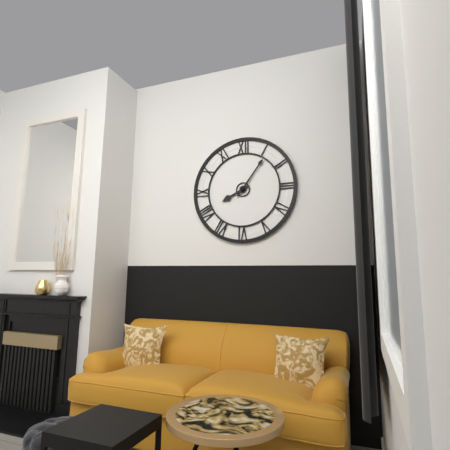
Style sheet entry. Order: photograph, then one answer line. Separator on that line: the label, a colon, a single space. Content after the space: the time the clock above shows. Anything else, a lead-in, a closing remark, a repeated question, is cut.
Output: 8:06
